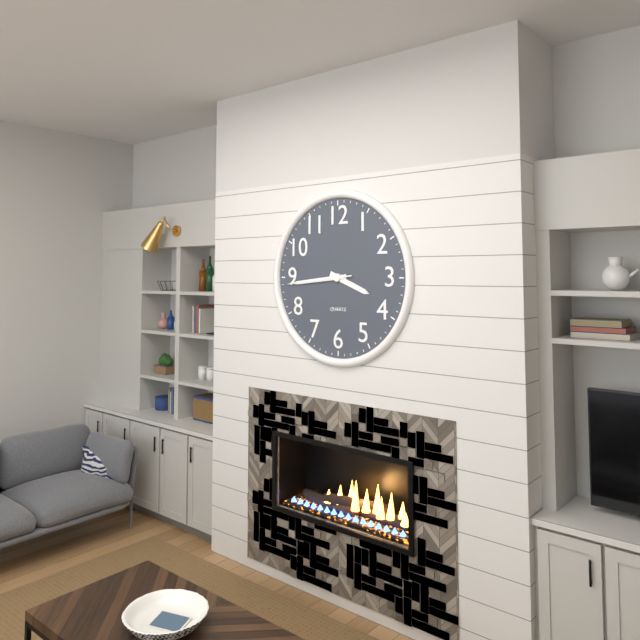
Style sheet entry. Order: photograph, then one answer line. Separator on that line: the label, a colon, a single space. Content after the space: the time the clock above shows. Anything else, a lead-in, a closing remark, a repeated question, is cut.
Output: 3:44:44
